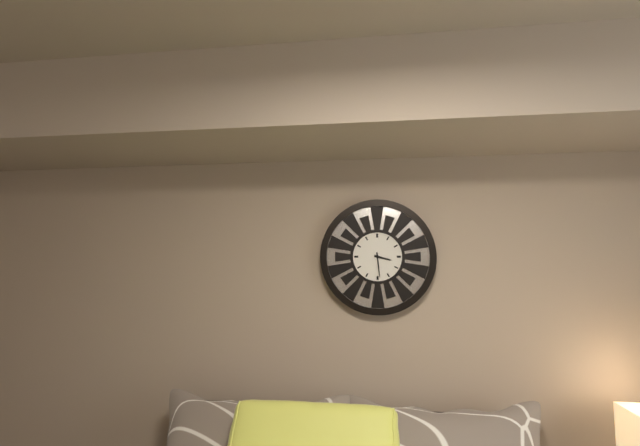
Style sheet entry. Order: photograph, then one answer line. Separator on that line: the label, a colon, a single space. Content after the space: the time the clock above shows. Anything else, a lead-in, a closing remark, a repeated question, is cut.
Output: 3:29
